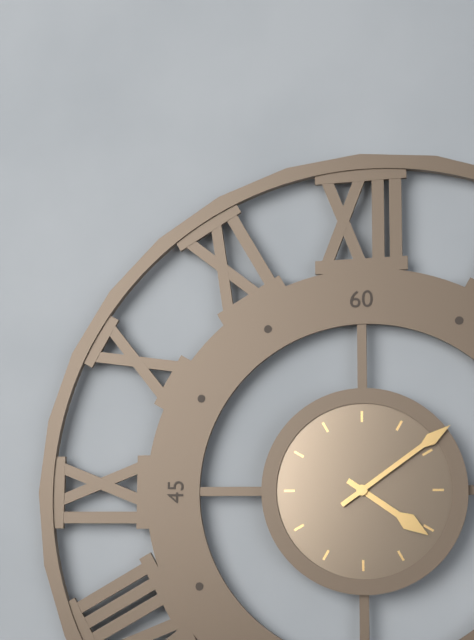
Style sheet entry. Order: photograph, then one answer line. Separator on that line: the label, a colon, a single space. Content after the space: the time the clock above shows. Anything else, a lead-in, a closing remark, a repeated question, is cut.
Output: 4:09
